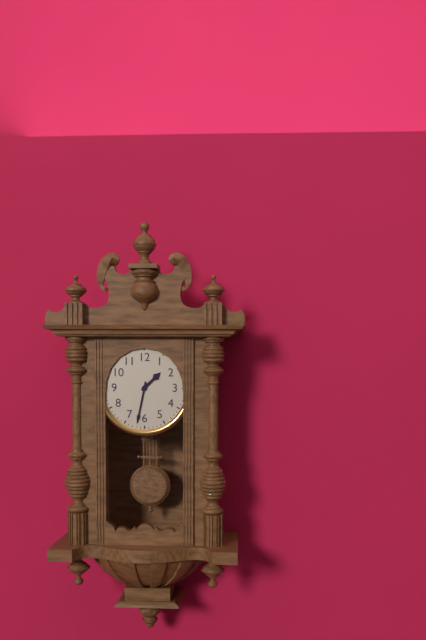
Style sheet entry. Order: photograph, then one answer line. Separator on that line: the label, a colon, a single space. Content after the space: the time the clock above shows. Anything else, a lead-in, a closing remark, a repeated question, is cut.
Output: 1:32
